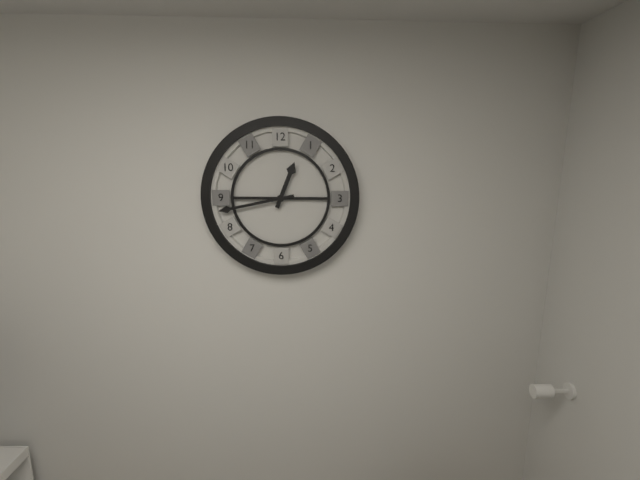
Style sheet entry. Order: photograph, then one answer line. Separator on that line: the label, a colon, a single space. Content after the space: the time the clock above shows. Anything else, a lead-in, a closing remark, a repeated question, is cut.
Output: 12:43
